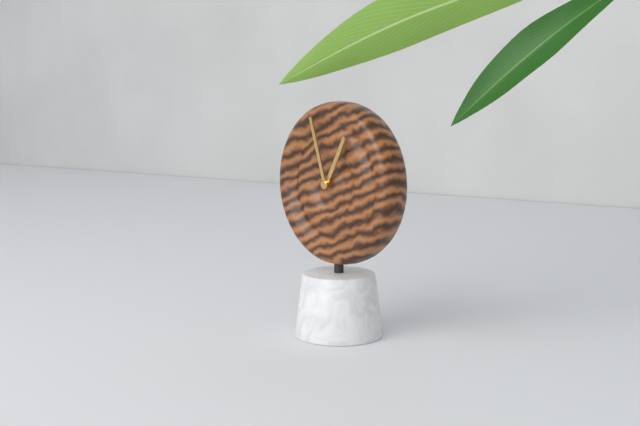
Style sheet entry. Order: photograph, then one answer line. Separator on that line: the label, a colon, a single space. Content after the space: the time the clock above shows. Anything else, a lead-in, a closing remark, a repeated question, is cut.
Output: 12:57
